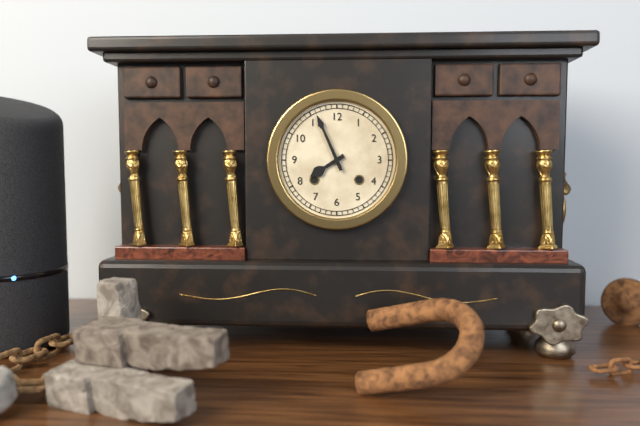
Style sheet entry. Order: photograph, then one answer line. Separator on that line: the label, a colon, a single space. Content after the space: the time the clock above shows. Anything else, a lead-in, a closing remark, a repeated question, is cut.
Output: 7:56
